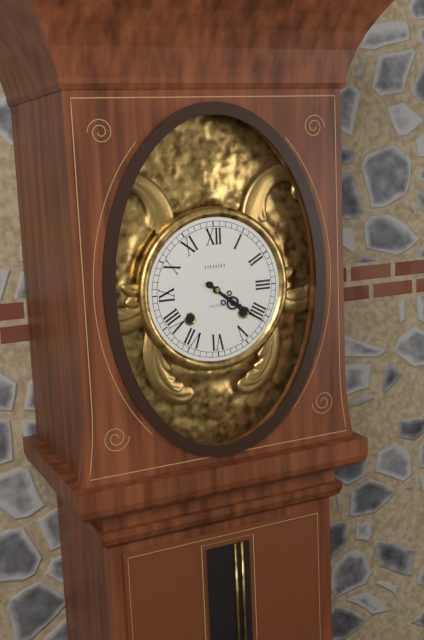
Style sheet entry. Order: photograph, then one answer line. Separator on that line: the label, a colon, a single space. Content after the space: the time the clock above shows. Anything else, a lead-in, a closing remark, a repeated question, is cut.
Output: 4:21
